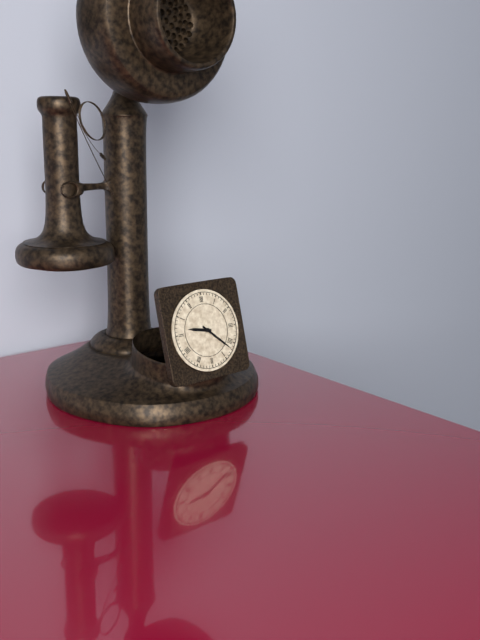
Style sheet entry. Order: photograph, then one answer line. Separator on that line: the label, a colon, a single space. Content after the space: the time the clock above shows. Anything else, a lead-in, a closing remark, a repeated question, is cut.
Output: 9:22
